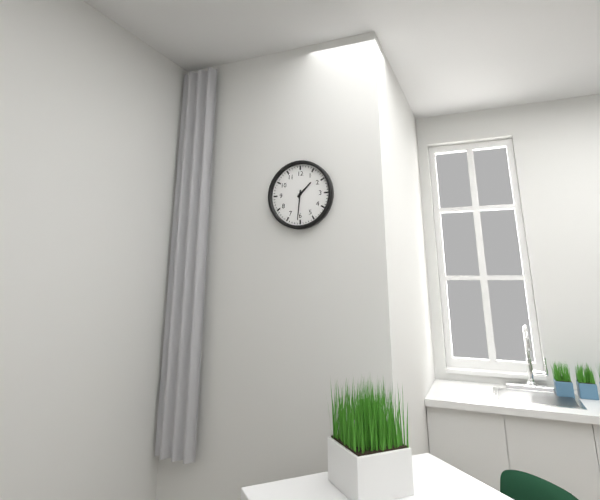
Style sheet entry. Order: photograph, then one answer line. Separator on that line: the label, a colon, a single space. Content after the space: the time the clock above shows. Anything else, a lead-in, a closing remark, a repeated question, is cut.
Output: 1:31
